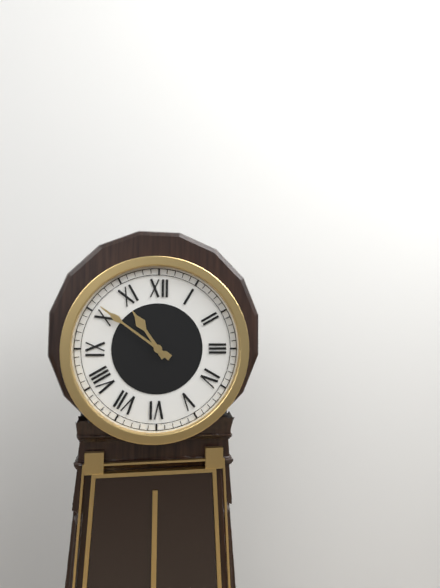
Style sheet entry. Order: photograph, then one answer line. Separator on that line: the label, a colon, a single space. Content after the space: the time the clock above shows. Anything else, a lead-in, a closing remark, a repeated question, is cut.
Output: 10:51
